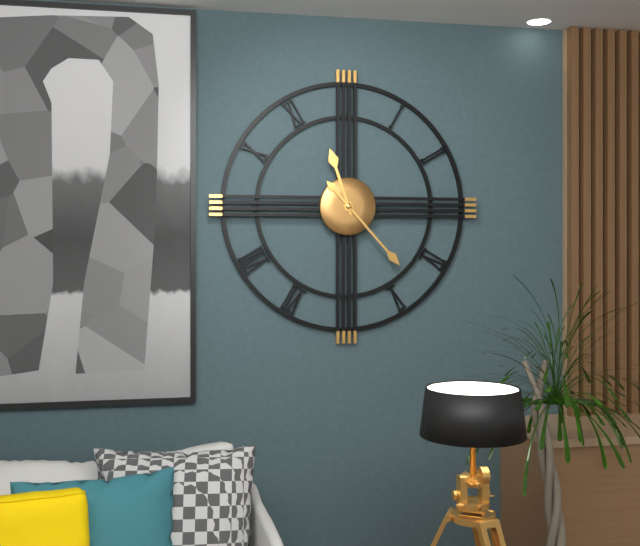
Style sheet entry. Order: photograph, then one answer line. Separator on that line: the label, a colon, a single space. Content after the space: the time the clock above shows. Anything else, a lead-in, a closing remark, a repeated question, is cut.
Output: 11:23
